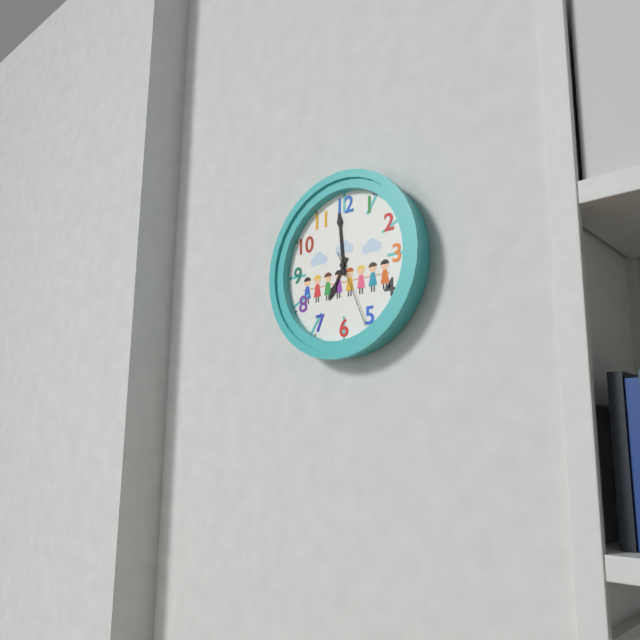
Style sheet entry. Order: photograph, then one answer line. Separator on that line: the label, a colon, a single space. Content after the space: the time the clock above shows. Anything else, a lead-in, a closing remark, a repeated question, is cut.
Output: 6:59:26
